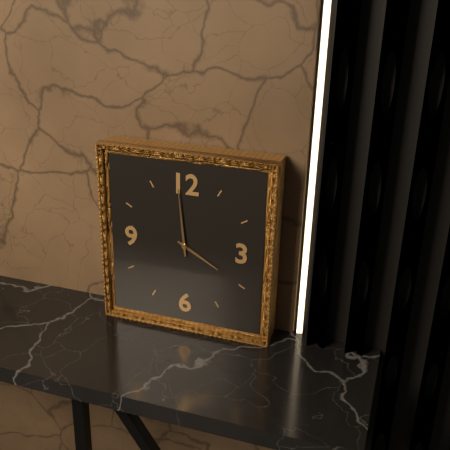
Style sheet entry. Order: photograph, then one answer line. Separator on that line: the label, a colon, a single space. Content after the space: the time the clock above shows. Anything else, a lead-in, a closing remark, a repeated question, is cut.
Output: 3:59
